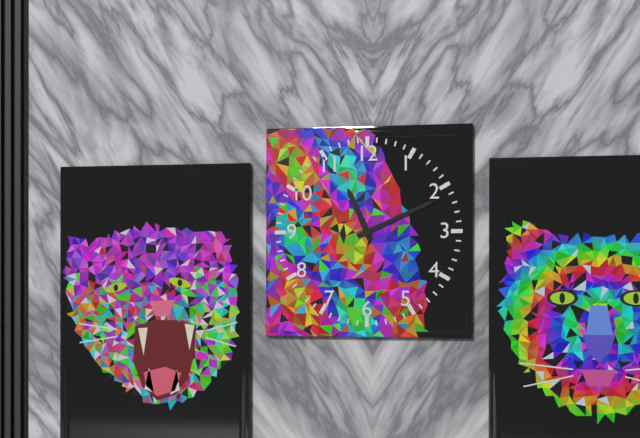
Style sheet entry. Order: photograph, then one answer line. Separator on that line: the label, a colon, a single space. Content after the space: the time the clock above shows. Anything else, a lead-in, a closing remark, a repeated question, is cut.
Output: 11:11
